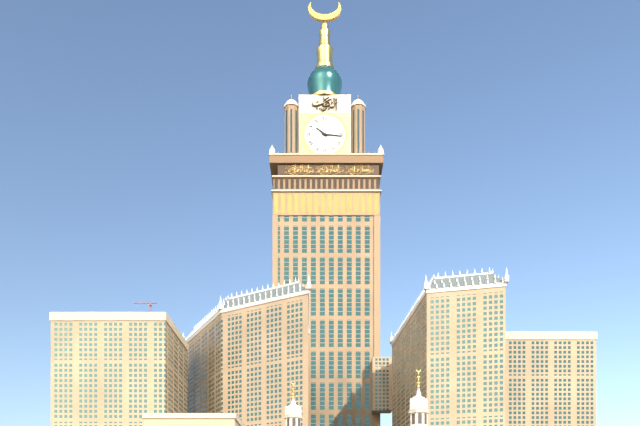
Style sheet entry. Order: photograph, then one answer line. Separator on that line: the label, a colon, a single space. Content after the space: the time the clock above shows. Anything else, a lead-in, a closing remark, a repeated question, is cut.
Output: 10:16
